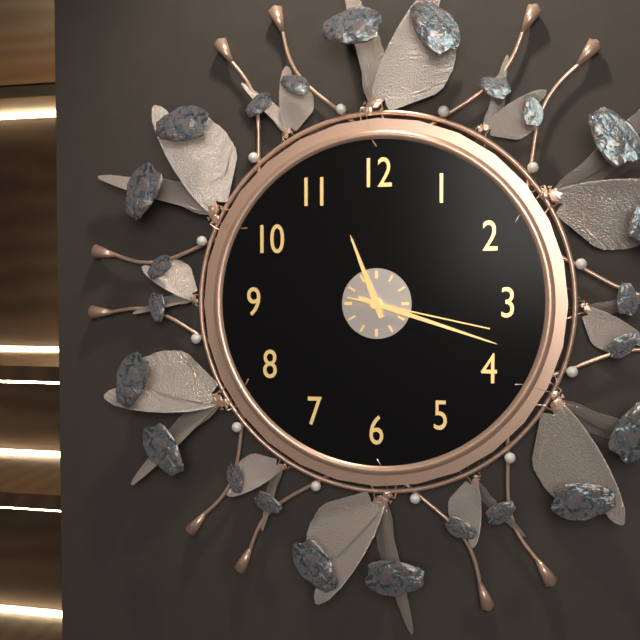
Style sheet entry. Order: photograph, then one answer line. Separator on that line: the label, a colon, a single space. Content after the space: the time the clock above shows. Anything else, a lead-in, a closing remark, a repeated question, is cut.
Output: 11:18:17
